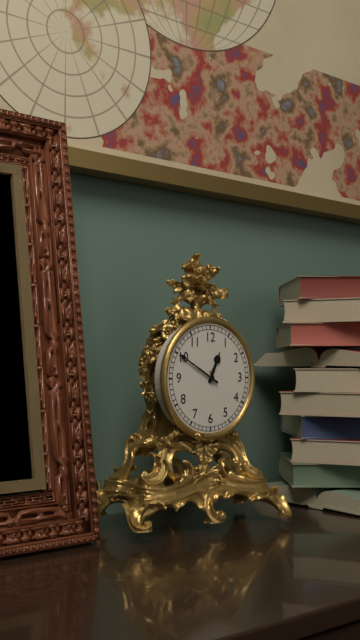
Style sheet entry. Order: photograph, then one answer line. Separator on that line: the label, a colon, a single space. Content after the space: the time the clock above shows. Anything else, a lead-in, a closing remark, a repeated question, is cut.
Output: 12:50
